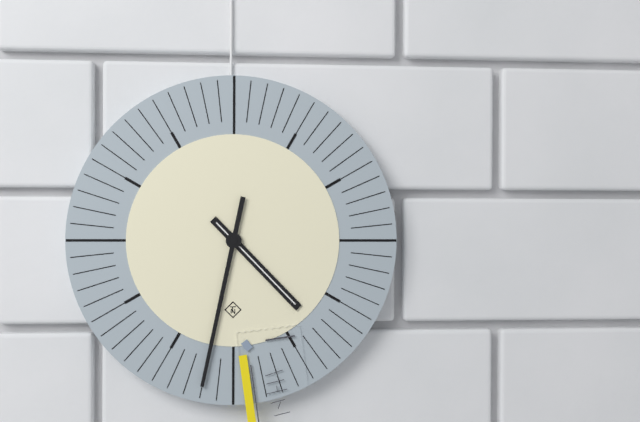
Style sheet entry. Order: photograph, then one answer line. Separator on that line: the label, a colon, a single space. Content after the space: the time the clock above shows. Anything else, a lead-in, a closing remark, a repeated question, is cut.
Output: 4:32
